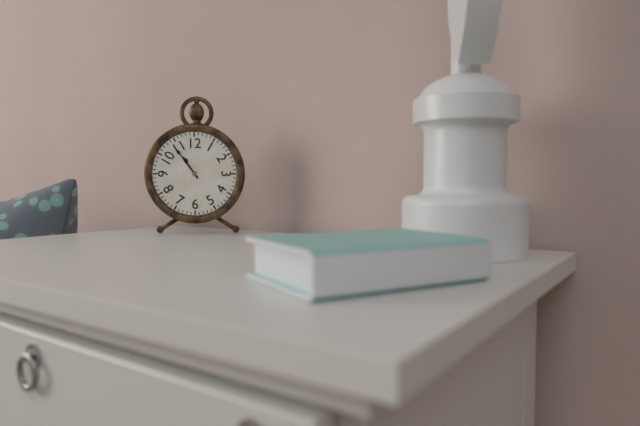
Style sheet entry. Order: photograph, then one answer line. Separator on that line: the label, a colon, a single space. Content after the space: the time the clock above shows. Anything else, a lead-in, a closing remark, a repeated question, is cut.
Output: 10:54
